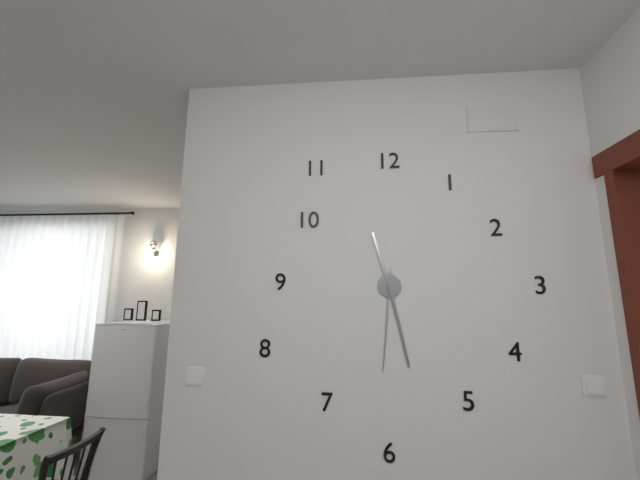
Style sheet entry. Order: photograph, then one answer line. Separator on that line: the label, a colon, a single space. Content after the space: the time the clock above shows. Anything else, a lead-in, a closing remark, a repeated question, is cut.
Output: 11:28:31
